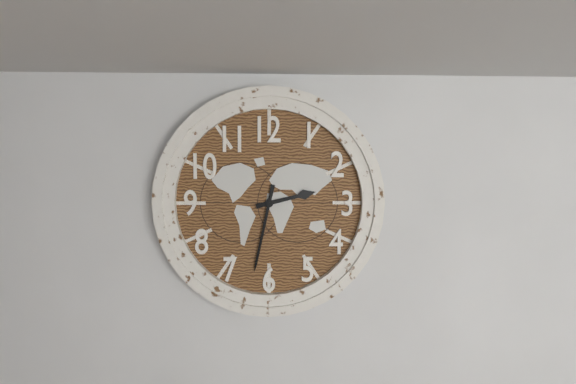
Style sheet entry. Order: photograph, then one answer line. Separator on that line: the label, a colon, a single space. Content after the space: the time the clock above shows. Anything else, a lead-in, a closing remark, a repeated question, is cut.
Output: 2:32
